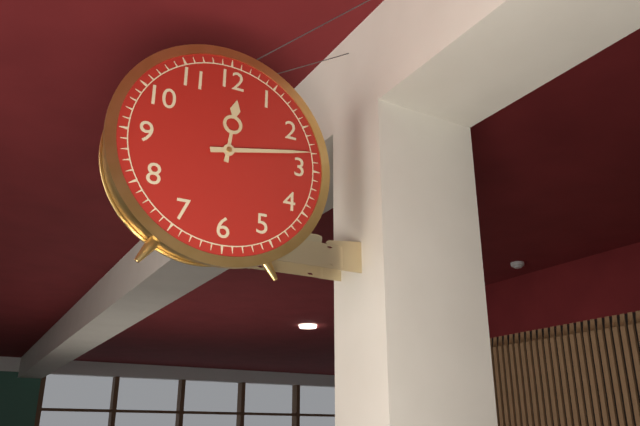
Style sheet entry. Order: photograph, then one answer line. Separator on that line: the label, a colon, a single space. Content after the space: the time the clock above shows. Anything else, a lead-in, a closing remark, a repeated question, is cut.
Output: 12:13
